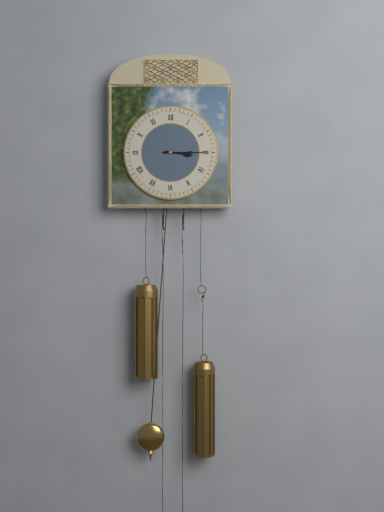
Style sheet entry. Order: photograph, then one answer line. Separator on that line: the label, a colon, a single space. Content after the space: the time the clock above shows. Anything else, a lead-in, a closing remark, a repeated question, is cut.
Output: 3:15
